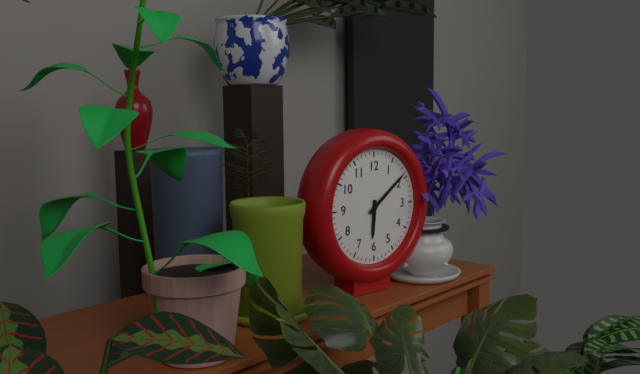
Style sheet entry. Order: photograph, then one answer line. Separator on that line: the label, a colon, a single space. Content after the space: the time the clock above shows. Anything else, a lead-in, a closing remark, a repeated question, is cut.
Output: 6:09
